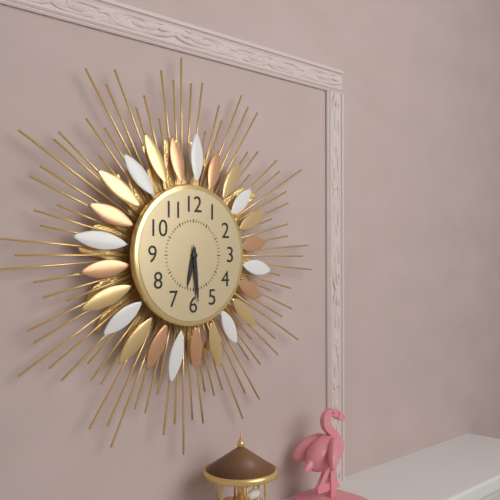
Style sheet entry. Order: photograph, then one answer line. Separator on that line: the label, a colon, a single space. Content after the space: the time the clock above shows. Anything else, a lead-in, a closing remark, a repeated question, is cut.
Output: 6:29
